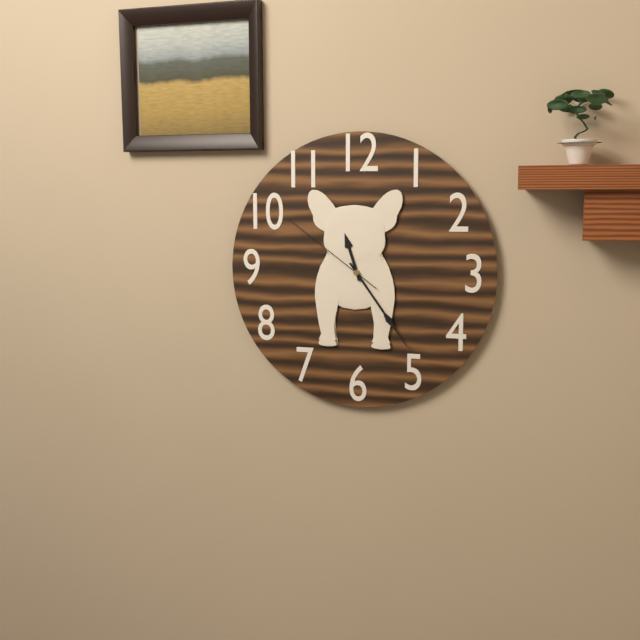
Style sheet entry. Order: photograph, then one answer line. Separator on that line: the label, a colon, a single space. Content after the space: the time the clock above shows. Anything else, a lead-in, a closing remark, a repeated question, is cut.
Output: 11:24:51
